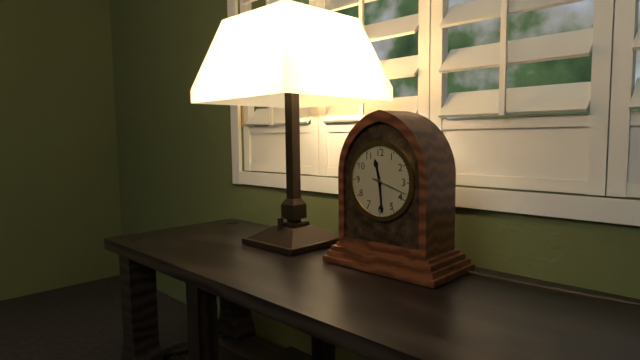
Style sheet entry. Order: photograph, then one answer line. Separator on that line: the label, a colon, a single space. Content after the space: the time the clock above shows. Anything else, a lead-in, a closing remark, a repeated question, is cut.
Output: 11:29
